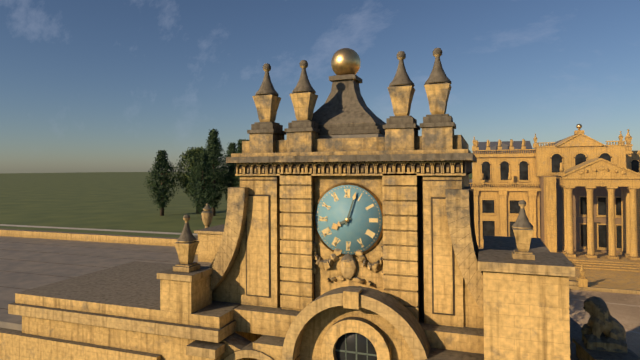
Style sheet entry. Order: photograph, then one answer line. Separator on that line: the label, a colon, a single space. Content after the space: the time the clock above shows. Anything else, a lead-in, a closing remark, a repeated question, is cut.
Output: 8:03
